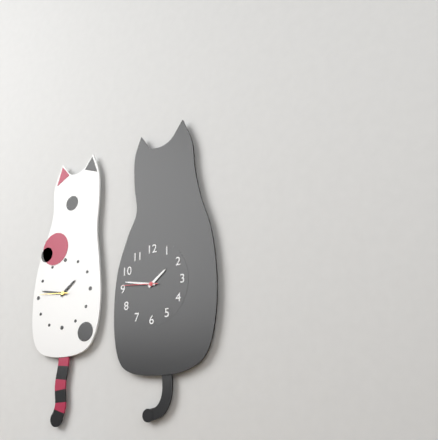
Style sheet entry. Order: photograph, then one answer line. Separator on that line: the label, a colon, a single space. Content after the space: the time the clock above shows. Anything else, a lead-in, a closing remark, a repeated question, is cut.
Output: 1:47
